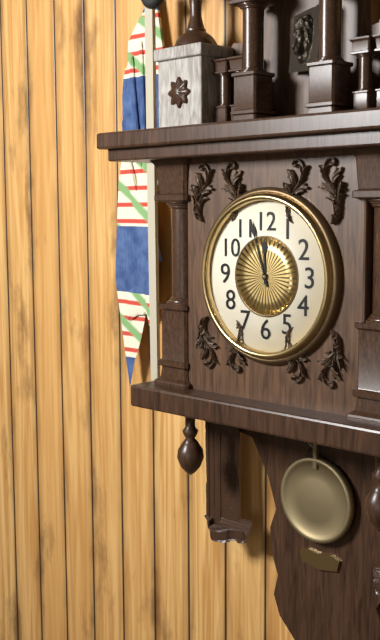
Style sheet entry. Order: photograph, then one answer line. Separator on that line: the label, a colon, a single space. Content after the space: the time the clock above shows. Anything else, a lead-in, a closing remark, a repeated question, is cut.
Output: 11:57
